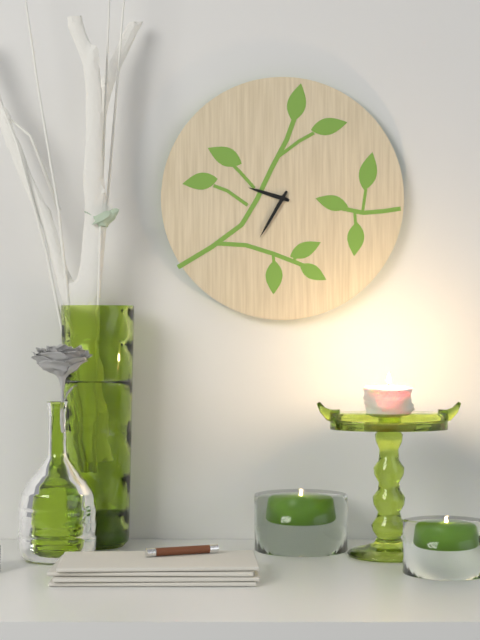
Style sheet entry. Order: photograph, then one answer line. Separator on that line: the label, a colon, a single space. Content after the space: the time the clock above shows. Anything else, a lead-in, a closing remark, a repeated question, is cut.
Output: 9:35
